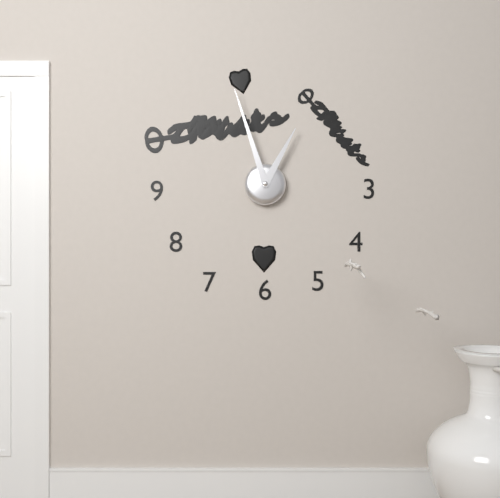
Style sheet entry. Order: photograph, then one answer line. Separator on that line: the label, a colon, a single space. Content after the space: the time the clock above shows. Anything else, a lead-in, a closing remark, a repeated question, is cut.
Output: 12:57
